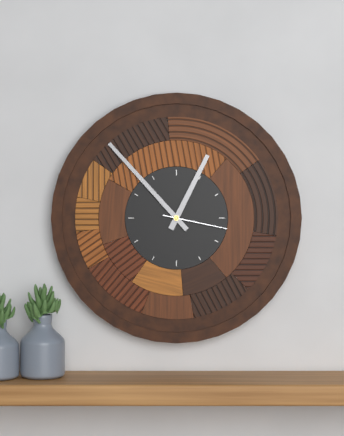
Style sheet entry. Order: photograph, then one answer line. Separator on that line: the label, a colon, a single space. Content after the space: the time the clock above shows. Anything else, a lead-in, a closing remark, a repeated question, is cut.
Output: 12:53:17
